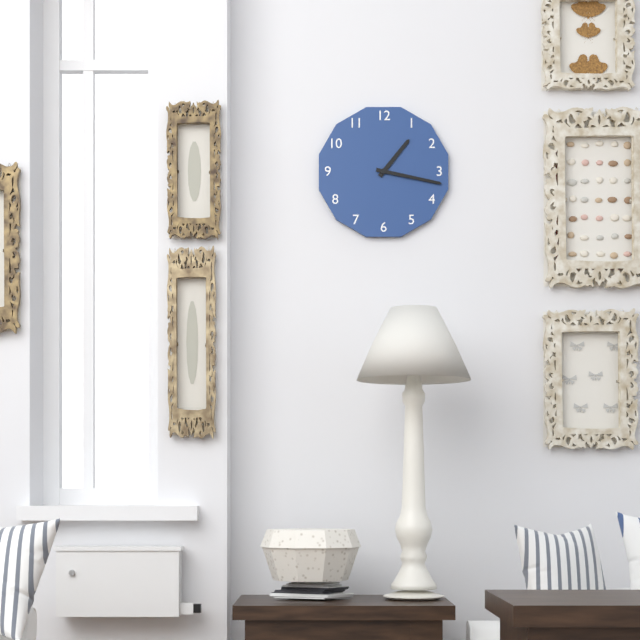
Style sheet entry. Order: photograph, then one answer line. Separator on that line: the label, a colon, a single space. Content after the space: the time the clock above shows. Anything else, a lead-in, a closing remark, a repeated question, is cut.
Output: 1:17
